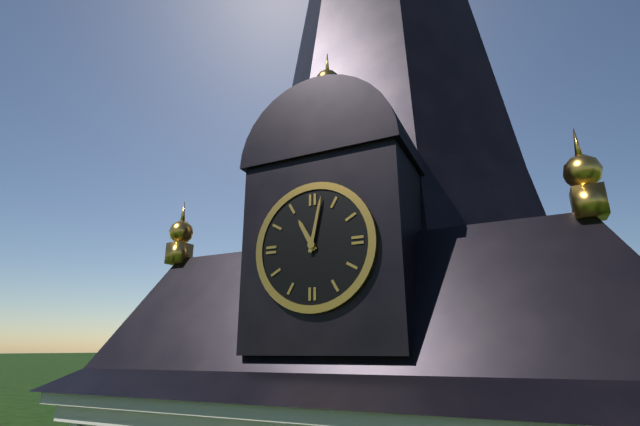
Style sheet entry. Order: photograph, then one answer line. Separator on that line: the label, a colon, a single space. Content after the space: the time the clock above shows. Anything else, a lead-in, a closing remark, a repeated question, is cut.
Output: 11:02
